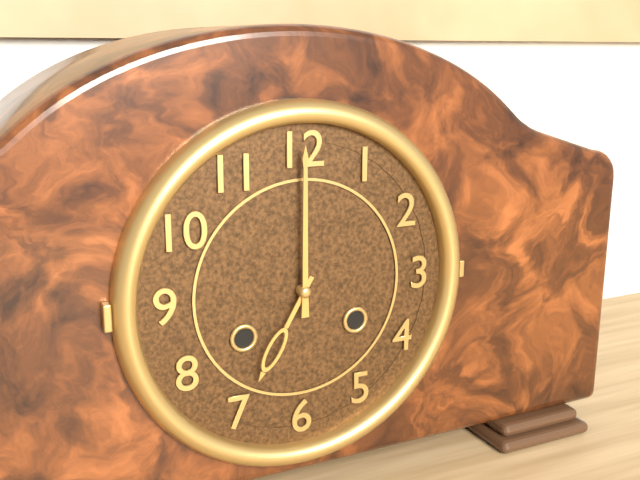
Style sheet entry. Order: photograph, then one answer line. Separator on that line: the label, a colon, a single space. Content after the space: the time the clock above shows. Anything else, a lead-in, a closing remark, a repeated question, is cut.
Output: 7:00
